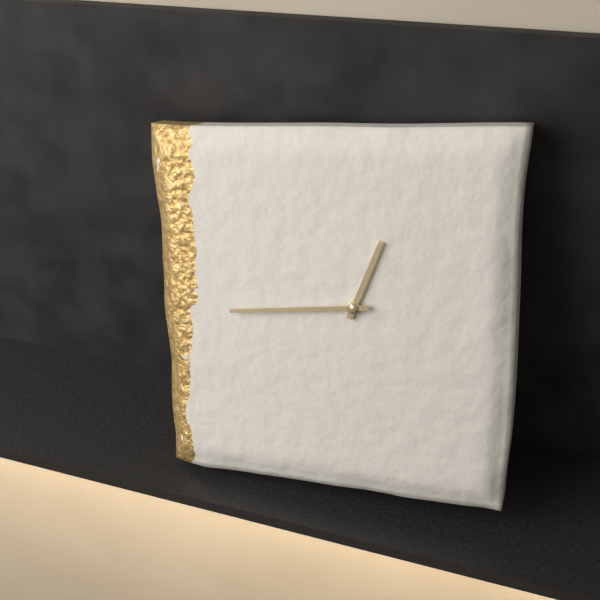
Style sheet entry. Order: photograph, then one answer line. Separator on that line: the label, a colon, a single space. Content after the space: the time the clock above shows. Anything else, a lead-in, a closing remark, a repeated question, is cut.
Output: 12:44
